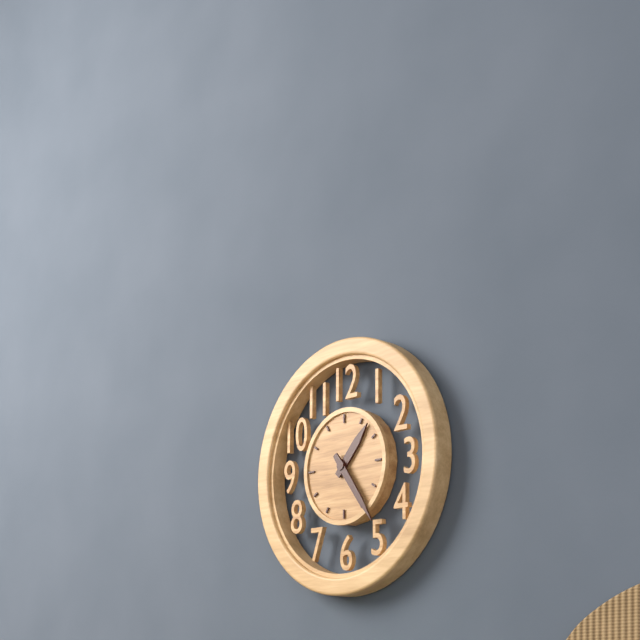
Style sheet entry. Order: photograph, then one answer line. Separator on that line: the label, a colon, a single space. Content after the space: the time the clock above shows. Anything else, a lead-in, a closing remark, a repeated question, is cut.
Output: 1:24
